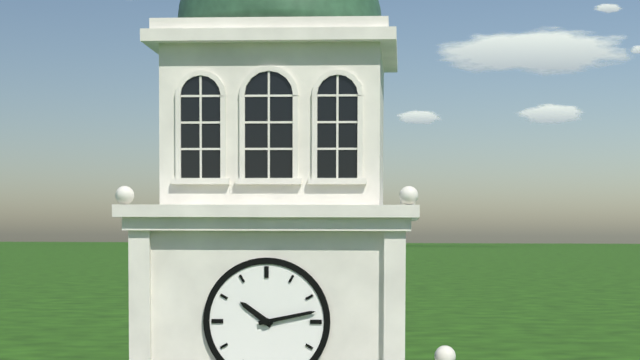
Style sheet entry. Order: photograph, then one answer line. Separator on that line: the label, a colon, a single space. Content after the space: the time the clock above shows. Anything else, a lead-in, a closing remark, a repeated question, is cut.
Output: 10:13
